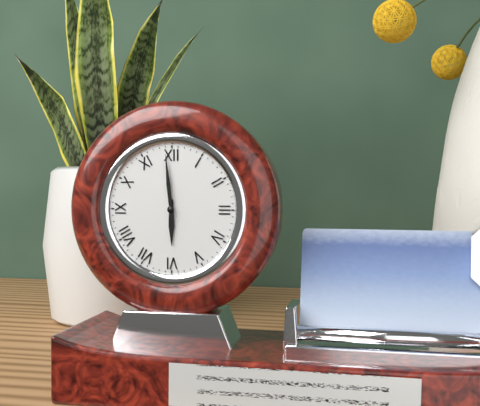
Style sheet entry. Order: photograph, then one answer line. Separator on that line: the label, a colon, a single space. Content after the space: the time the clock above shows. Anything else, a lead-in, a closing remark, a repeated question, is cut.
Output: 5:59
